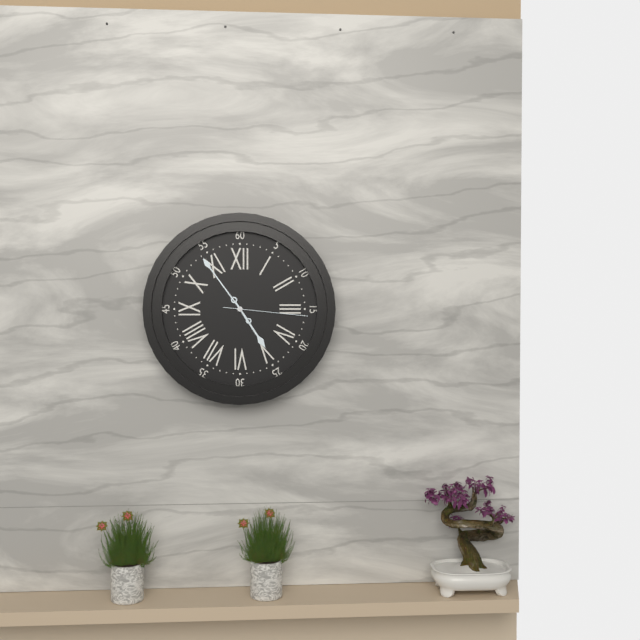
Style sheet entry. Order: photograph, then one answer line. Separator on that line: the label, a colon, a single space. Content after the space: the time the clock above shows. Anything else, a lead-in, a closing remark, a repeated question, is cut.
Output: 4:54:16
